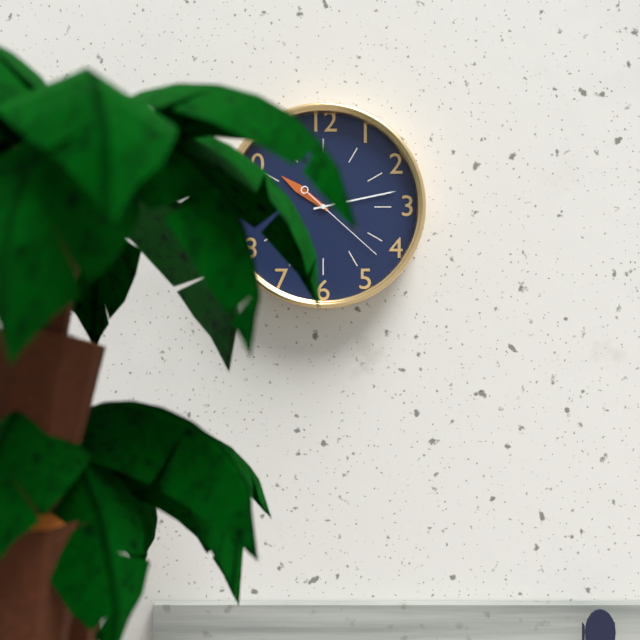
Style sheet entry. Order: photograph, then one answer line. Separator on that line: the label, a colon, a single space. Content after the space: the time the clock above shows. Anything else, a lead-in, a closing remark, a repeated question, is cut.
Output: 10:13:22
